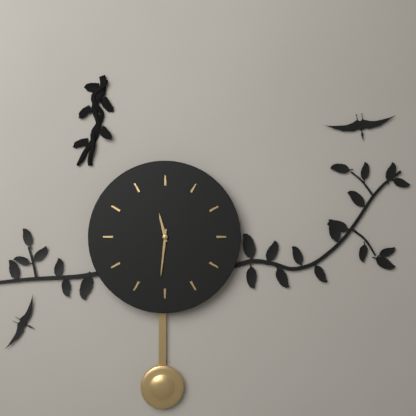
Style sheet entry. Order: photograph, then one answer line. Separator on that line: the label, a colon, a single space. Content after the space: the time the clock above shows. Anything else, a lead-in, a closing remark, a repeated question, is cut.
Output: 11:31
